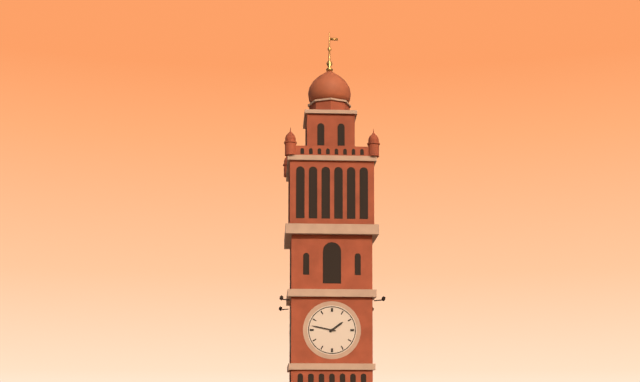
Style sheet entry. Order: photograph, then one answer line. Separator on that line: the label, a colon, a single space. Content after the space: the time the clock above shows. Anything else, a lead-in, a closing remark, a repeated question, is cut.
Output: 1:47
